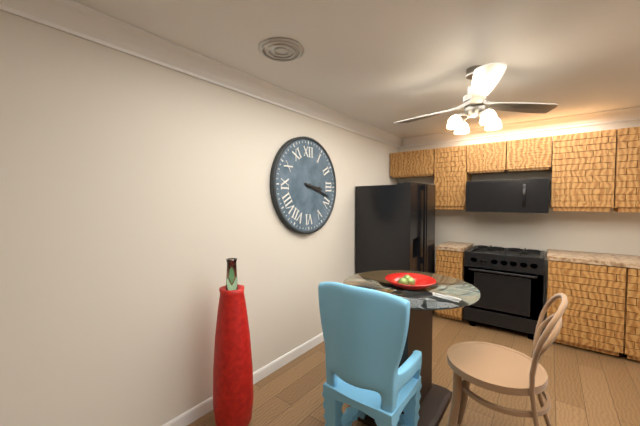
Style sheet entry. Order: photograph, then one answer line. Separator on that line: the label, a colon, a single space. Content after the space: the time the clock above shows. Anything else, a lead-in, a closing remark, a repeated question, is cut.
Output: 3:18
